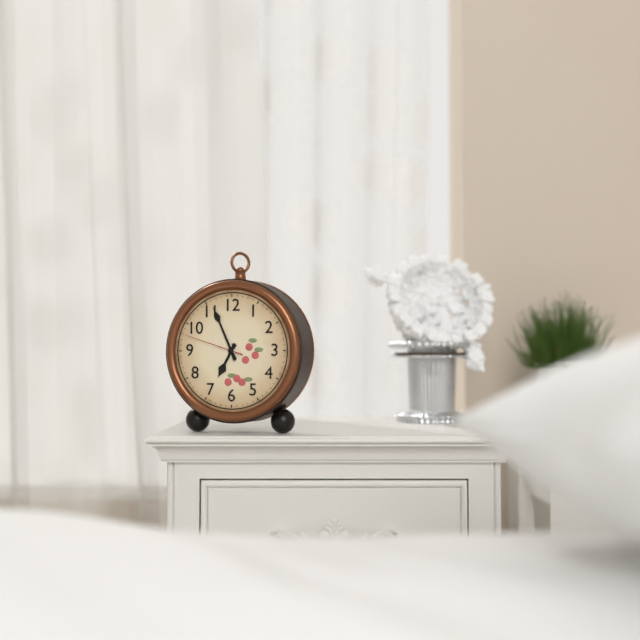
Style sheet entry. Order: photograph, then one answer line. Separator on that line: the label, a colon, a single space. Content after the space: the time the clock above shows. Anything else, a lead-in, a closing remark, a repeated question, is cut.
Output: 6:56:48
